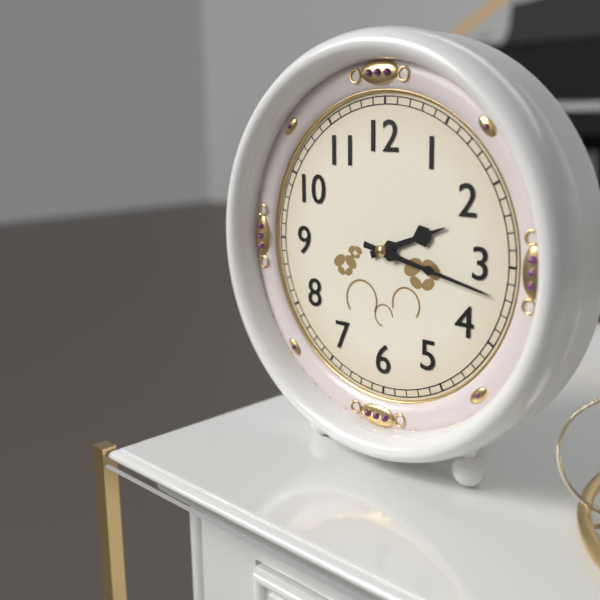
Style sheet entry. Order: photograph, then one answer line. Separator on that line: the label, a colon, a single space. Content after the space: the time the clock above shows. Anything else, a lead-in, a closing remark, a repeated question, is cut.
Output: 2:17
